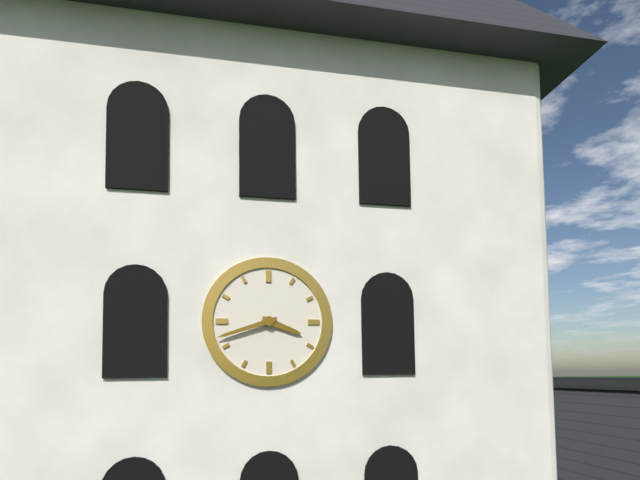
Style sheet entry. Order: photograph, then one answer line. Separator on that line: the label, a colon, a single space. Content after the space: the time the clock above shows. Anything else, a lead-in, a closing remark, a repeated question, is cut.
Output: 3:42
